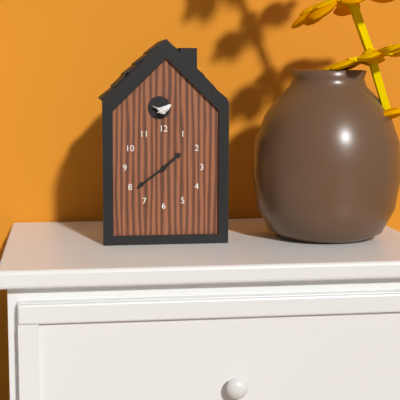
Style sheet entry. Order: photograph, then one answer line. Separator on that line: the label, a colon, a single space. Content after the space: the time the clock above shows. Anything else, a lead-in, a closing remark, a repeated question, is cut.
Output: 1:39
